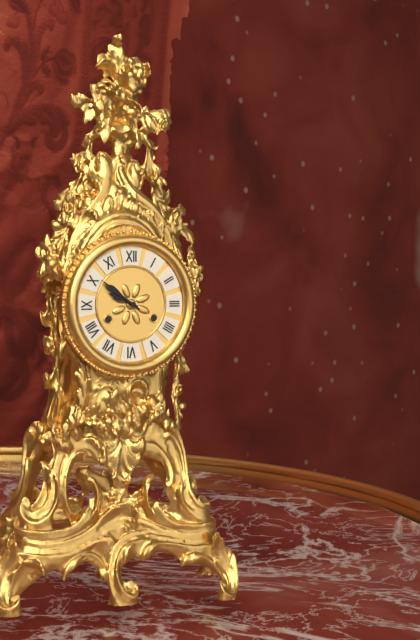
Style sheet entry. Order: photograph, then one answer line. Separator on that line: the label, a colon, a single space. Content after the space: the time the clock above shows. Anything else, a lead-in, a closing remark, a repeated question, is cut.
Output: 9:51
